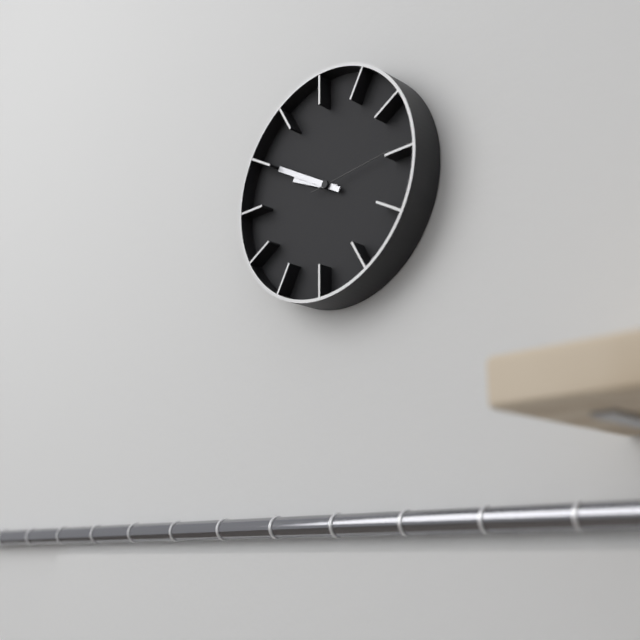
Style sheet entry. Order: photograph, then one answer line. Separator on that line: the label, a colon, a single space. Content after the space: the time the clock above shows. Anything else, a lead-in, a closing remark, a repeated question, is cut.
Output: 9:50:14
